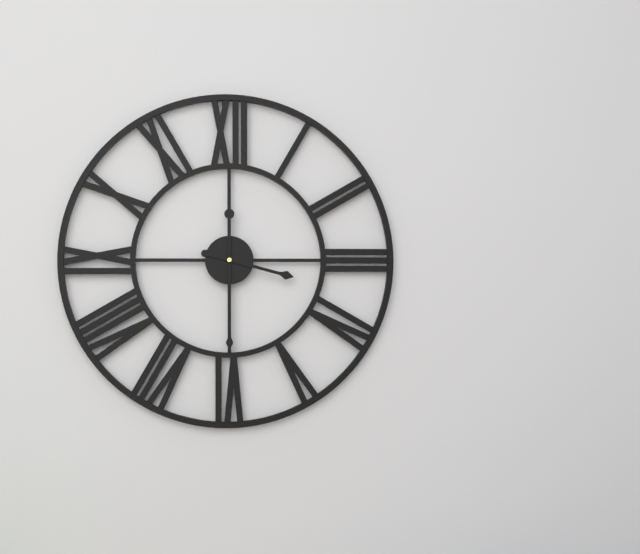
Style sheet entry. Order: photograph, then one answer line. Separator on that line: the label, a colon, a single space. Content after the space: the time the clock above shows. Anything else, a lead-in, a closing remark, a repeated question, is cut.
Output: 3:30
